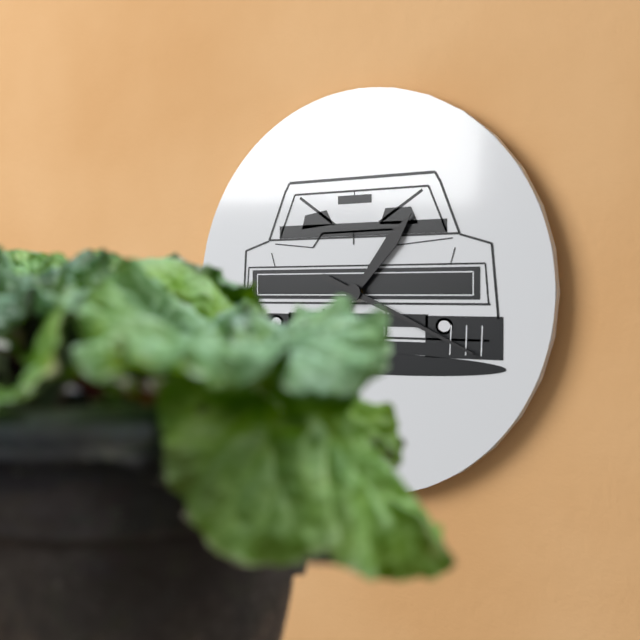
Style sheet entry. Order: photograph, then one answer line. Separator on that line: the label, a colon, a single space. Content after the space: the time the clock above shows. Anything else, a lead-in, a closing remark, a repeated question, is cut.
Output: 1:19
